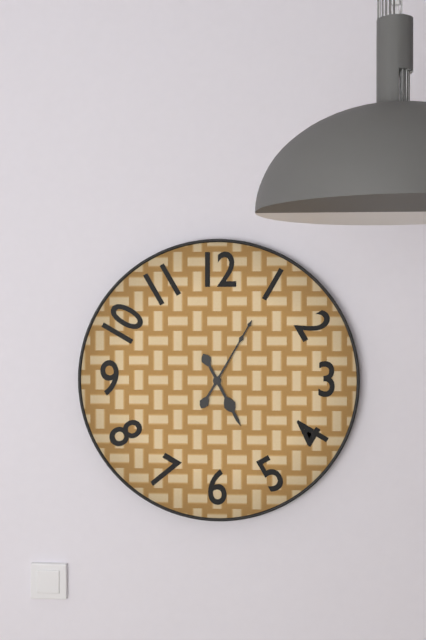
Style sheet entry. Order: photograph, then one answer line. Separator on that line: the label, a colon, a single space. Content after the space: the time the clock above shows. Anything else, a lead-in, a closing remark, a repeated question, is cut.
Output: 5:05
